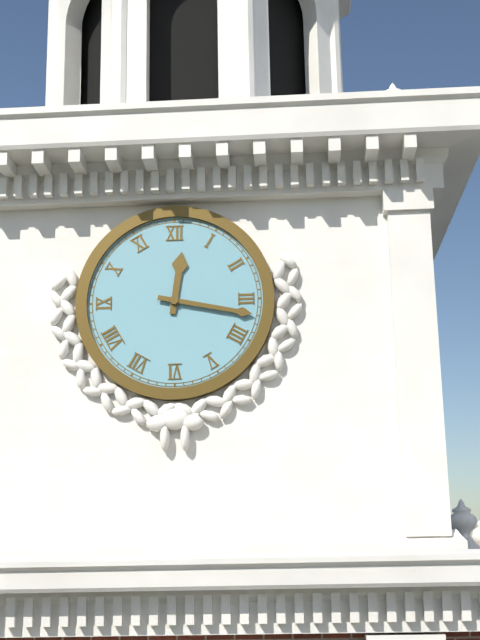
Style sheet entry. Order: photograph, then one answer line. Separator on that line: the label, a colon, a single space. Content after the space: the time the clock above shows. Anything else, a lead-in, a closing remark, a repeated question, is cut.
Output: 12:17
